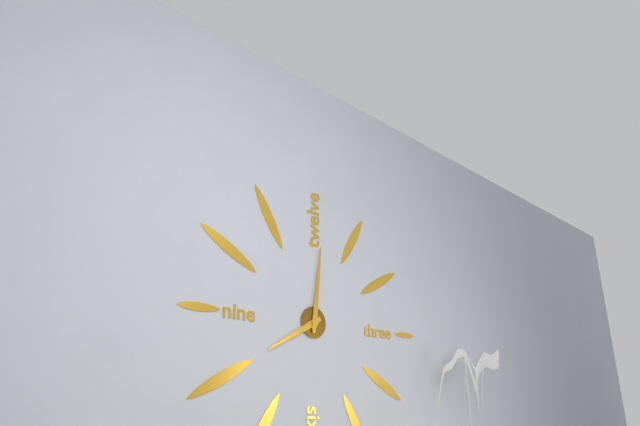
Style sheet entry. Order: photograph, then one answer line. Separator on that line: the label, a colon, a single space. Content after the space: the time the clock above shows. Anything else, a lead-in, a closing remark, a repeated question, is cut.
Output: 8:01
